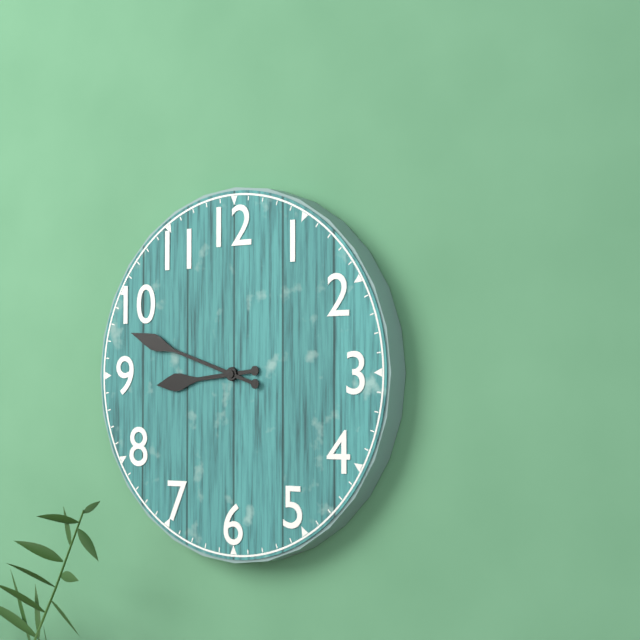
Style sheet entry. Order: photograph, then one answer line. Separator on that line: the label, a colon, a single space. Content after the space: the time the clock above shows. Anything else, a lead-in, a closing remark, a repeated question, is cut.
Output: 8:48
